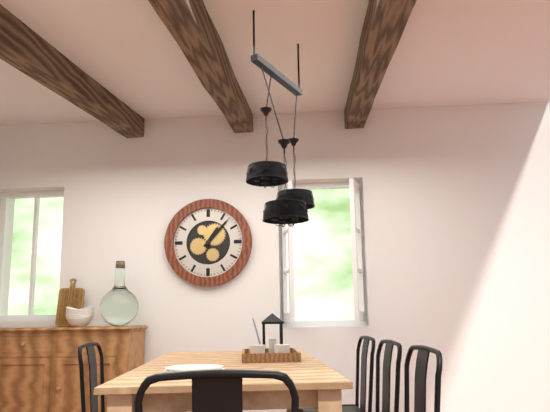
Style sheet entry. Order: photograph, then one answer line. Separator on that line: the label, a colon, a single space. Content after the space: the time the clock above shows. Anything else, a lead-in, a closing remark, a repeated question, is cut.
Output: 1:07
